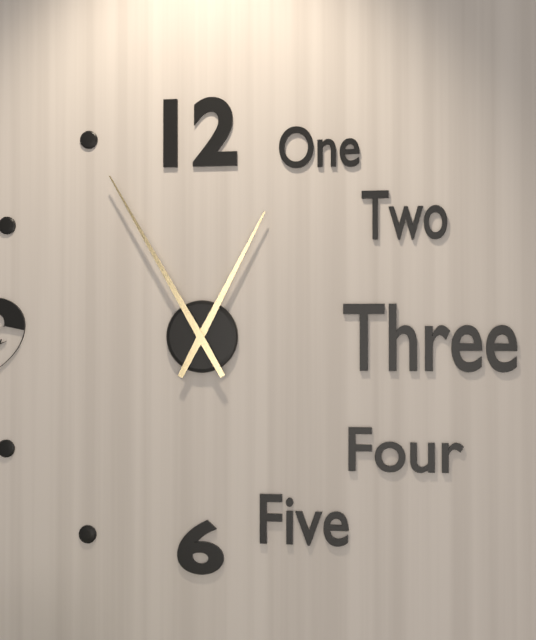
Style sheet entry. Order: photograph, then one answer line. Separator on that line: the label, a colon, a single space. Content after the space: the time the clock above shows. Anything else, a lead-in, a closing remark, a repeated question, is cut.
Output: 12:55
